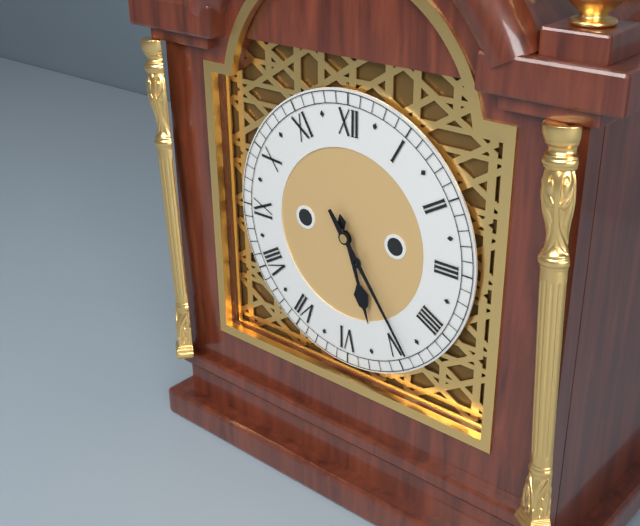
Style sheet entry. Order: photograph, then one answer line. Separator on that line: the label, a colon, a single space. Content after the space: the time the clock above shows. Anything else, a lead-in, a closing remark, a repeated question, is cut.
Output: 5:24
